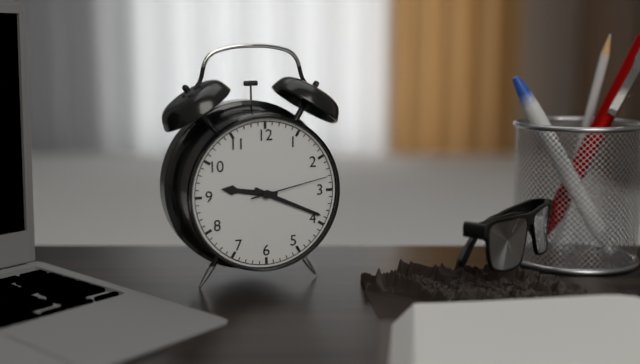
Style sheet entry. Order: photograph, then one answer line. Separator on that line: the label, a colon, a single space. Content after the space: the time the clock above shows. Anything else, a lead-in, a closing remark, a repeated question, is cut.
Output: 9:19:13
